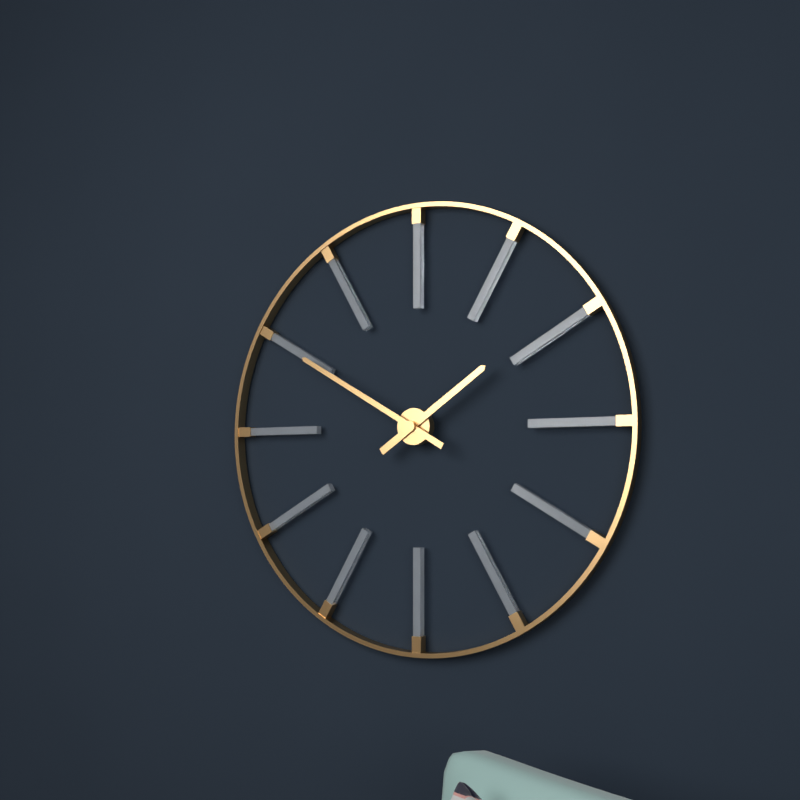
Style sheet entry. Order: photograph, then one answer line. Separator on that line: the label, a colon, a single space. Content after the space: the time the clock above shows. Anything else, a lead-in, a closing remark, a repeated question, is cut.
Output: 1:50
